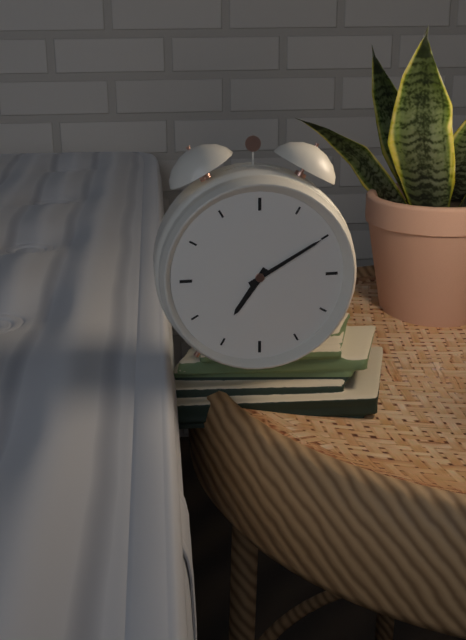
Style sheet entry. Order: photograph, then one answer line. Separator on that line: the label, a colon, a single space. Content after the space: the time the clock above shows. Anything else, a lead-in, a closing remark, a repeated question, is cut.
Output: 7:10
